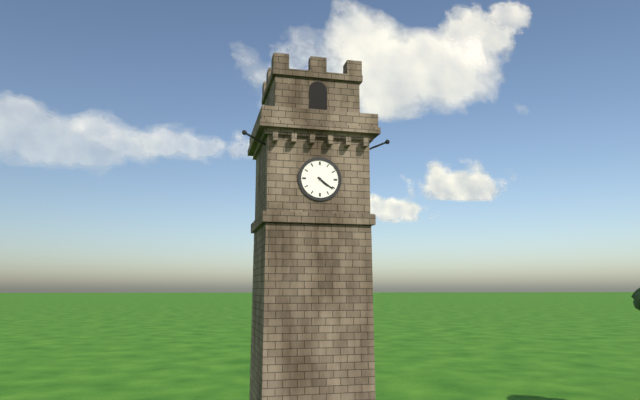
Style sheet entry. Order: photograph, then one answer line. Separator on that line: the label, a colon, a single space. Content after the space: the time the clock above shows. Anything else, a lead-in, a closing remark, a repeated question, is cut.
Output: 4:21
